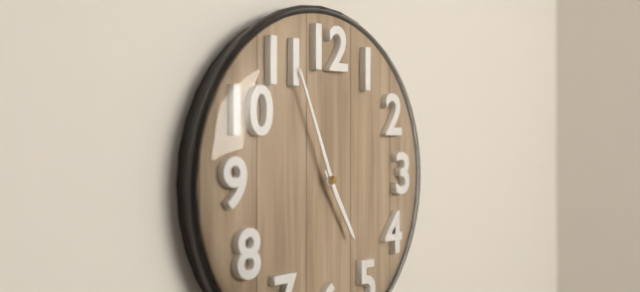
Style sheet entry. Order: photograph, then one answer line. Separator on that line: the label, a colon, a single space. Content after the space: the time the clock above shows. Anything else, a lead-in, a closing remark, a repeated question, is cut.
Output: 4:56
